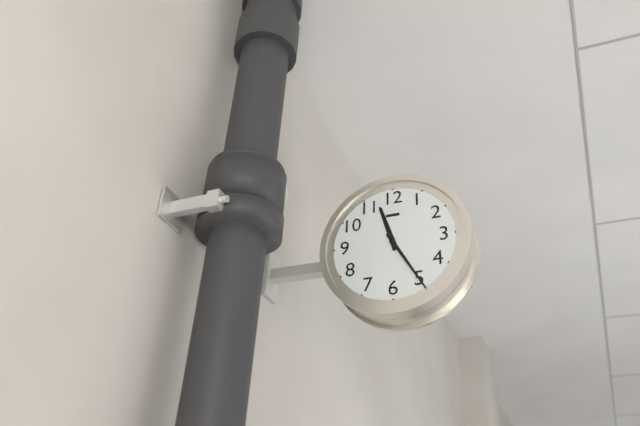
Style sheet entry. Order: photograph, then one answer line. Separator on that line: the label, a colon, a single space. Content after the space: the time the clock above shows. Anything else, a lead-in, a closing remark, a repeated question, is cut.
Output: 11:25
